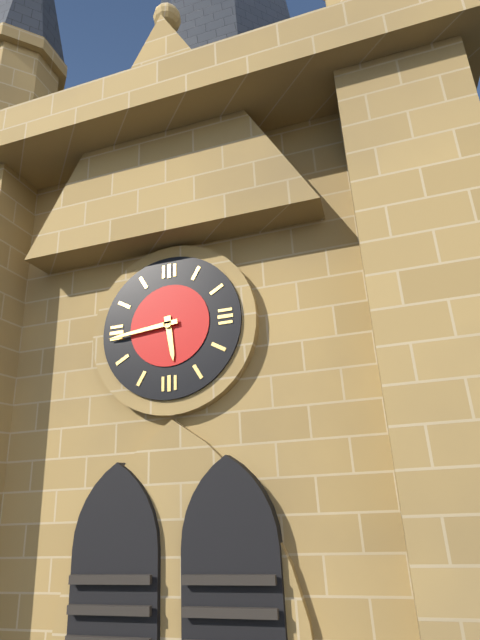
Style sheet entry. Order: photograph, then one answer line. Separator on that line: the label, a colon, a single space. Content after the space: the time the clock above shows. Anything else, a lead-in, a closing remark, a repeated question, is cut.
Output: 5:44
